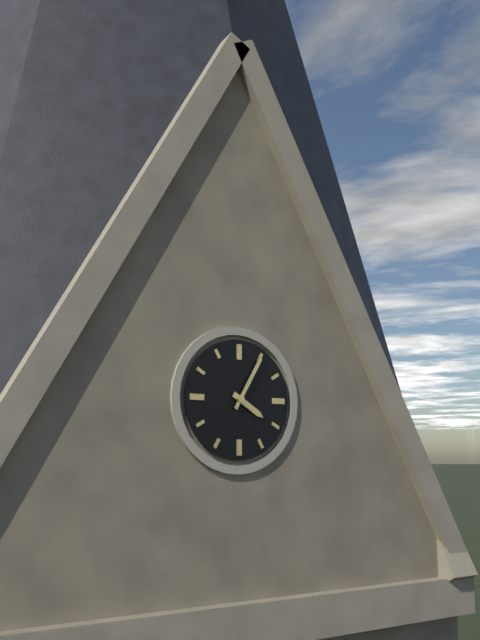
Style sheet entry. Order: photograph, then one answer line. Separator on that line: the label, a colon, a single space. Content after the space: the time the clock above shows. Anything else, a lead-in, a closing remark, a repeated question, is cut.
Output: 4:05
